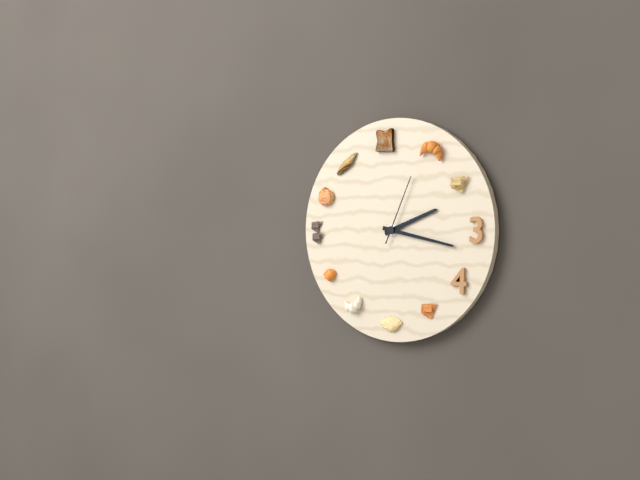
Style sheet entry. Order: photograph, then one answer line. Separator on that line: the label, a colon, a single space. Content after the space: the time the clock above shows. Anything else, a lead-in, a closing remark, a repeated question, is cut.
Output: 2:17:04
